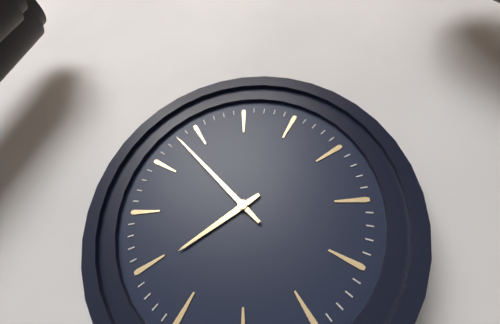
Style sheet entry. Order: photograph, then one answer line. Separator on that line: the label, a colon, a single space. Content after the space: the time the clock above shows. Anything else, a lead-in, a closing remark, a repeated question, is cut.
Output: 7:53
